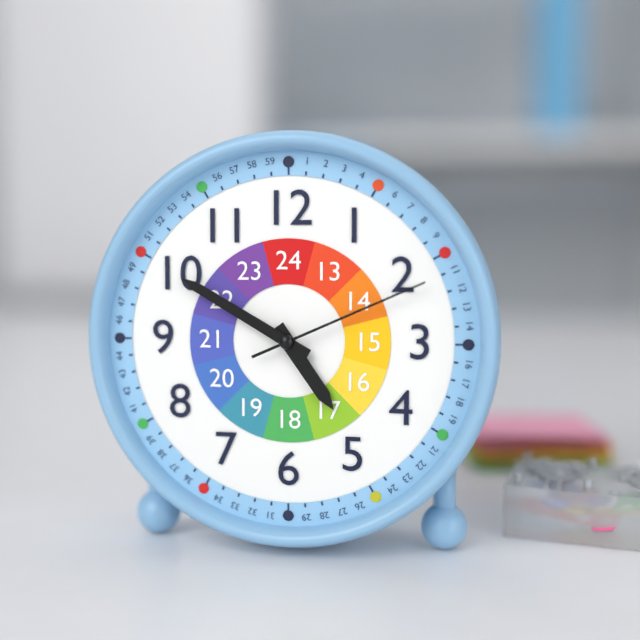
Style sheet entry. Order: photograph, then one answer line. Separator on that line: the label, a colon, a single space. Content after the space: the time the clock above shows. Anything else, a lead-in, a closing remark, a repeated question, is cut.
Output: 4:50:11
